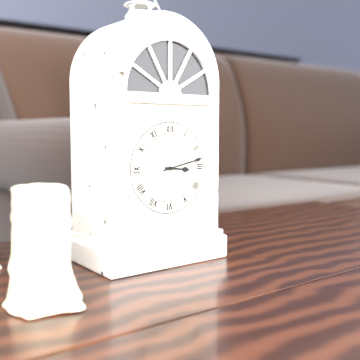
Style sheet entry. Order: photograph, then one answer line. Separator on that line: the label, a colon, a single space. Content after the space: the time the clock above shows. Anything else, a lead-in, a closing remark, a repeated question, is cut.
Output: 3:13
